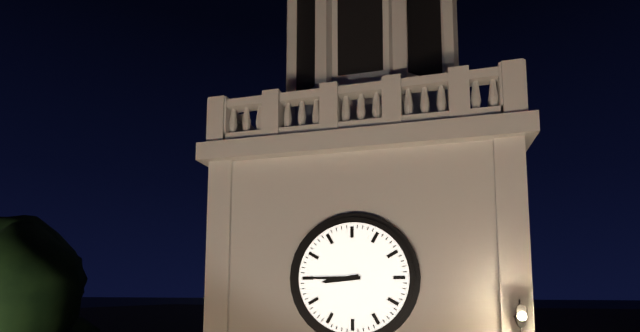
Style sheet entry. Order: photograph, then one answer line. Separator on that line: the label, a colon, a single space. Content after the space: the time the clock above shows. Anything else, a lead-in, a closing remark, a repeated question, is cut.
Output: 8:45
